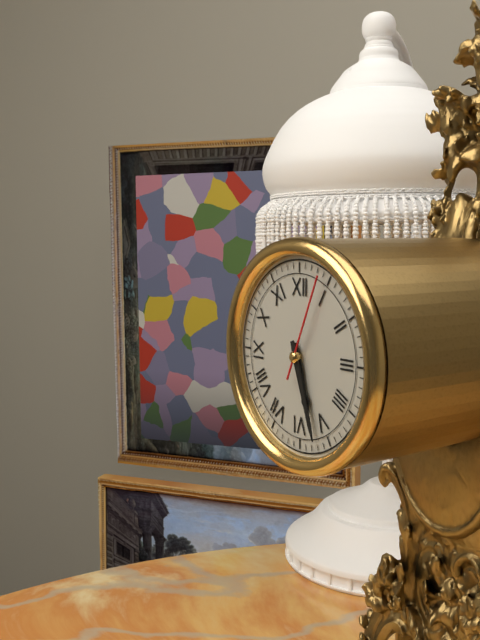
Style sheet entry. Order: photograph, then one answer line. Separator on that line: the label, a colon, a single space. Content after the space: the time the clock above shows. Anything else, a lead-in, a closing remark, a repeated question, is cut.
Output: 5:27:04
